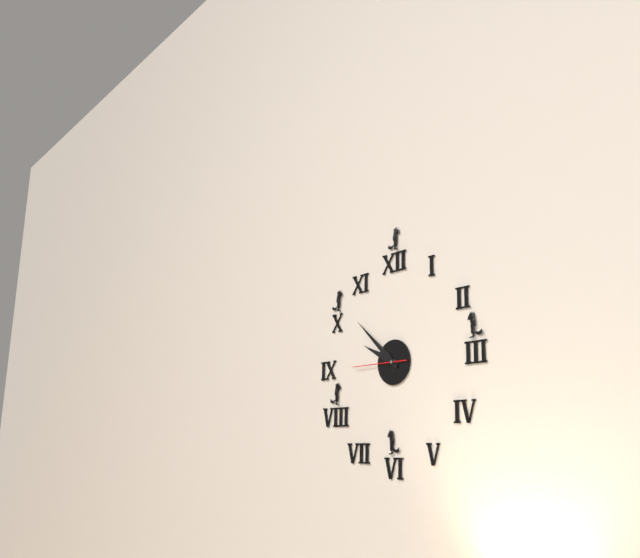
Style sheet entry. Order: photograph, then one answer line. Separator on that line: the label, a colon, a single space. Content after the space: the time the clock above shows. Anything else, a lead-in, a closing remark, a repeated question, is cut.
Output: 9:52:45
